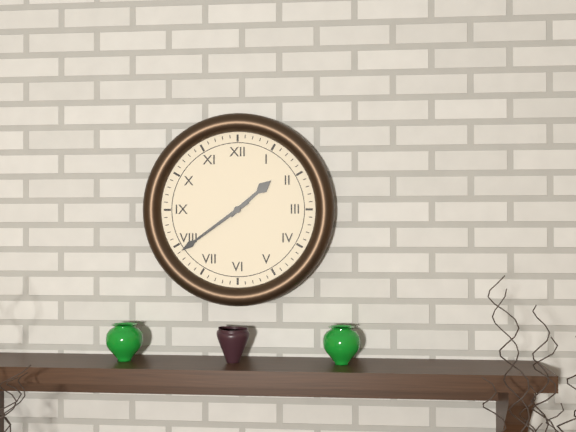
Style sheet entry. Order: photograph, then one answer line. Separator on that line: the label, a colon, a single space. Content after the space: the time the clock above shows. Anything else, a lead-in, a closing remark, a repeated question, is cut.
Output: 1:39
